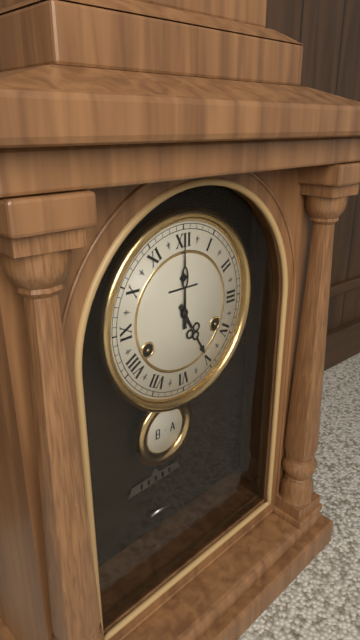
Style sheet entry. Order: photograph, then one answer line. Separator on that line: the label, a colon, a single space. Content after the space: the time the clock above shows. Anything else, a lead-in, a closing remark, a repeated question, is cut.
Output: 5:00
